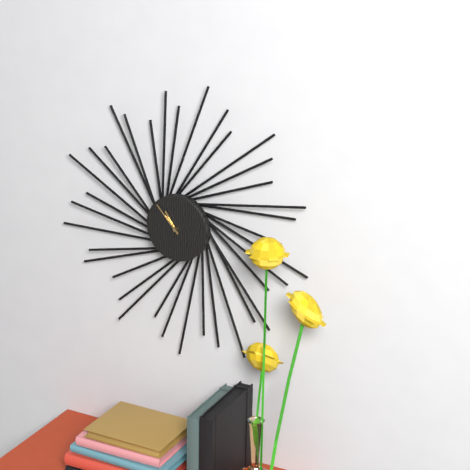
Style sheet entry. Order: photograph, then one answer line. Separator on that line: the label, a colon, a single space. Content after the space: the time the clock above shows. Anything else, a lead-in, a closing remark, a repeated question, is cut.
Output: 10:53
